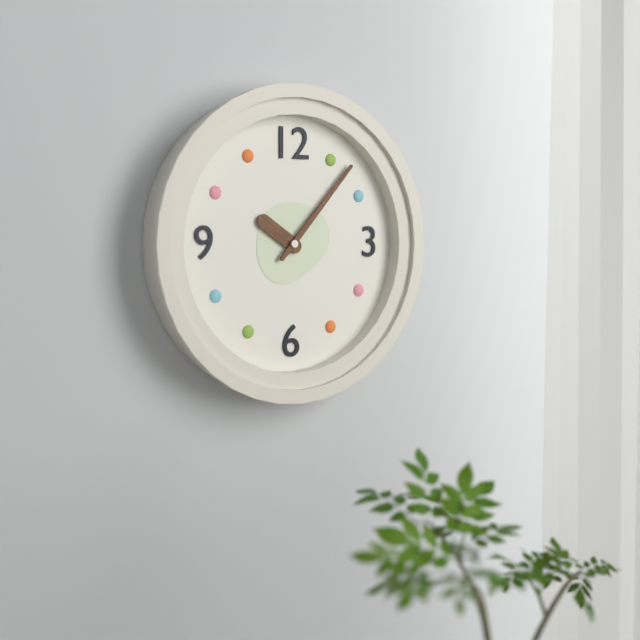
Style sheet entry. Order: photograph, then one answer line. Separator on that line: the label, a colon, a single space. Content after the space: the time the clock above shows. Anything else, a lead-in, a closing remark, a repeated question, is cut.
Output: 10:07
